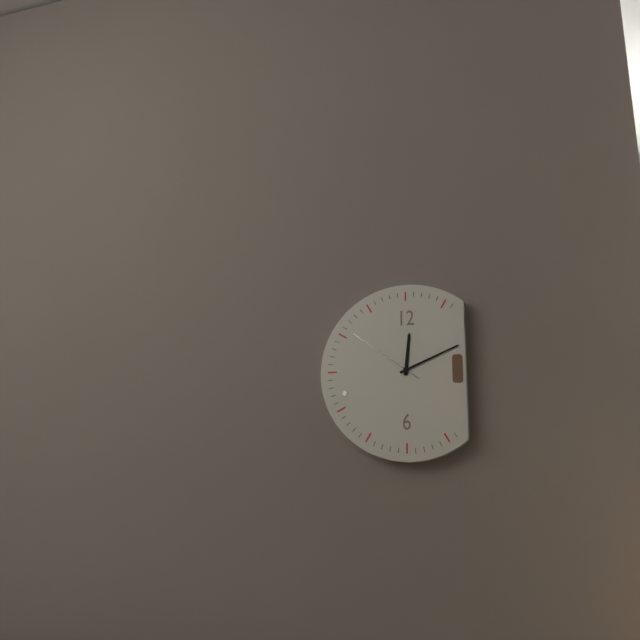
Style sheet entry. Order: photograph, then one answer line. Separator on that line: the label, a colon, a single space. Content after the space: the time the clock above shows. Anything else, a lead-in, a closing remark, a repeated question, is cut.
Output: 12:11:51
